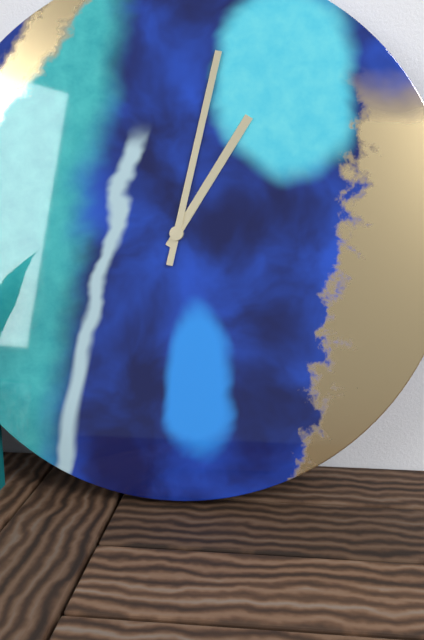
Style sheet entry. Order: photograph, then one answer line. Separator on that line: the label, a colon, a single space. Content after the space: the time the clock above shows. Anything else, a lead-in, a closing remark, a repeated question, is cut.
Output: 1:02
